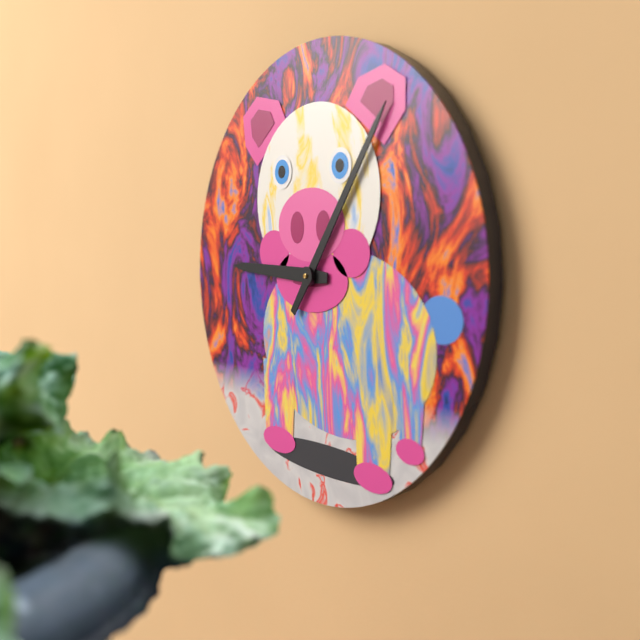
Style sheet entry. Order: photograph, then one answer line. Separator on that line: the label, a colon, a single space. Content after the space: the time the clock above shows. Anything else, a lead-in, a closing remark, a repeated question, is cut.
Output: 9:06
